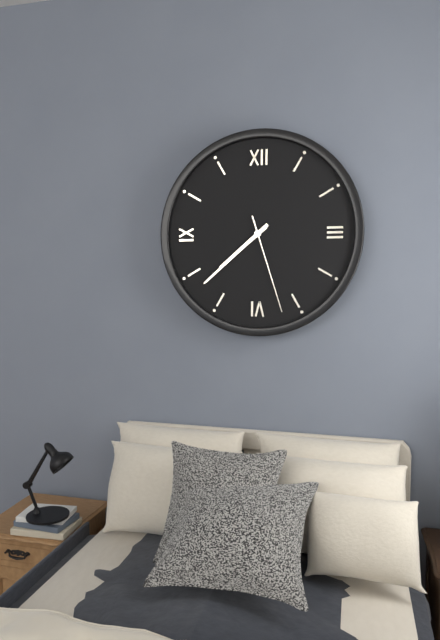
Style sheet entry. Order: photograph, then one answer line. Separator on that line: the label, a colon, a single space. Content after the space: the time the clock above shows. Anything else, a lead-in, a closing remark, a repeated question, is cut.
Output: 7:38:27
